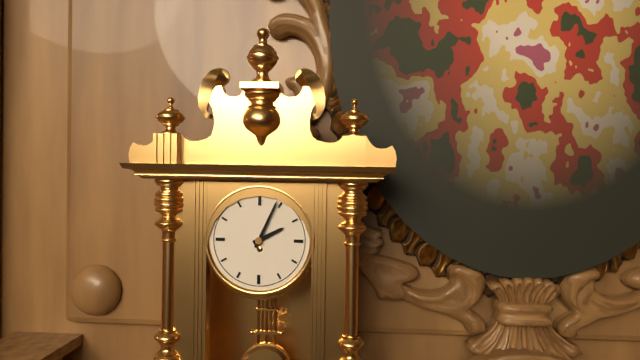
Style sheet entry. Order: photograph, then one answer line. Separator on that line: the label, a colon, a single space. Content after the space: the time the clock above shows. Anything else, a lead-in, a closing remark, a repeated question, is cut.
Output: 2:04
